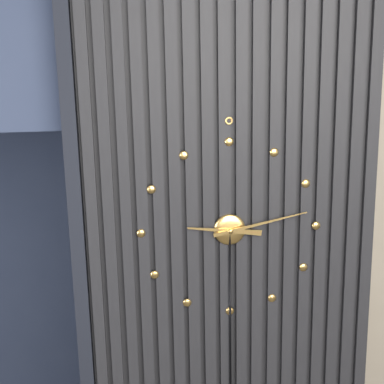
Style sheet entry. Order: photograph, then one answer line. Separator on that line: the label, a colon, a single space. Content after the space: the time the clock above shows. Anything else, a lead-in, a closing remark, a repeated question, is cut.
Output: 9:13
